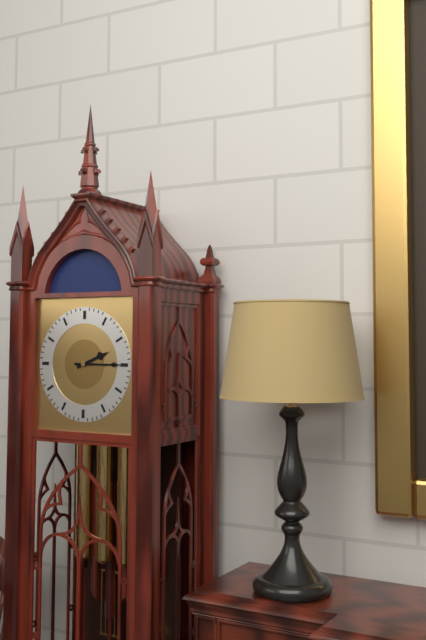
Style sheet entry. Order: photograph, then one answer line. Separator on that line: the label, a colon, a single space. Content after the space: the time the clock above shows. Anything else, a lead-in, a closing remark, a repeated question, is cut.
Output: 2:15
